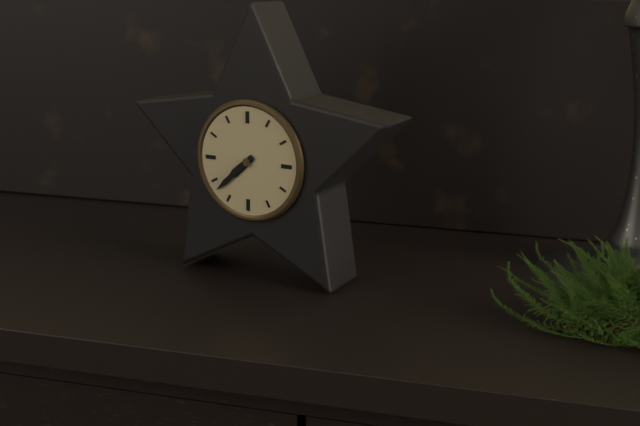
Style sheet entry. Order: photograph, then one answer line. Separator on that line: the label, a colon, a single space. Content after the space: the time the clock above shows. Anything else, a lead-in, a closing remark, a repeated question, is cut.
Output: 7:38
